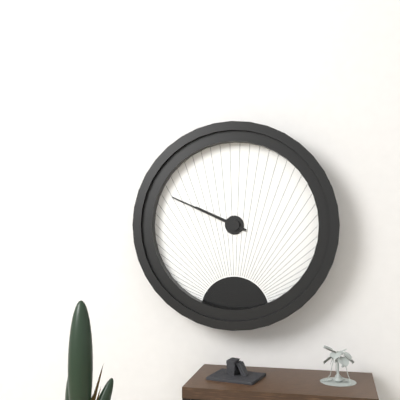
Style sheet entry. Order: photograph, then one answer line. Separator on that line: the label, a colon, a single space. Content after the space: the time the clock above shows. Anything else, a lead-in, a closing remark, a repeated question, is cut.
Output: 9:49
